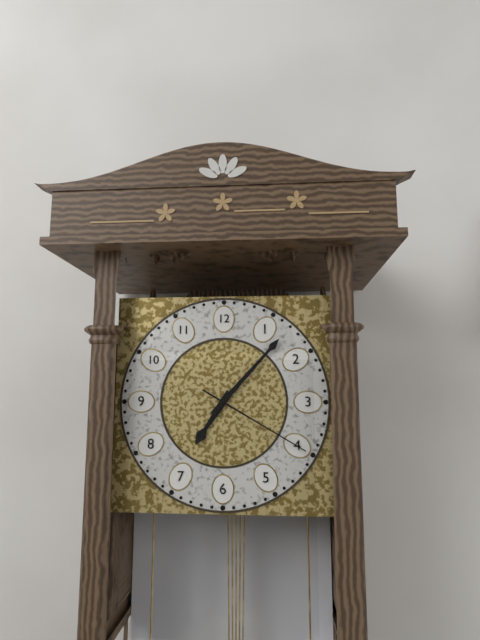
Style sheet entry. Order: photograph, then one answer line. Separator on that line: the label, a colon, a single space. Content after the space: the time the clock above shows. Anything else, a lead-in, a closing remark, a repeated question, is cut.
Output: 7:07:20
